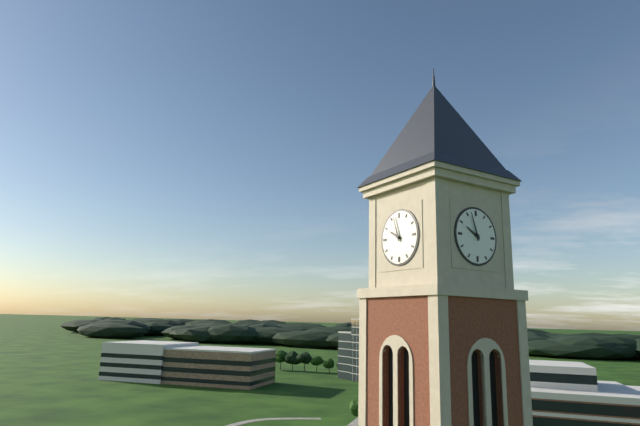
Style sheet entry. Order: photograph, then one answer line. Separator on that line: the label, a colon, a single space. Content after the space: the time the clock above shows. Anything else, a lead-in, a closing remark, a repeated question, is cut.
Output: 9:57
